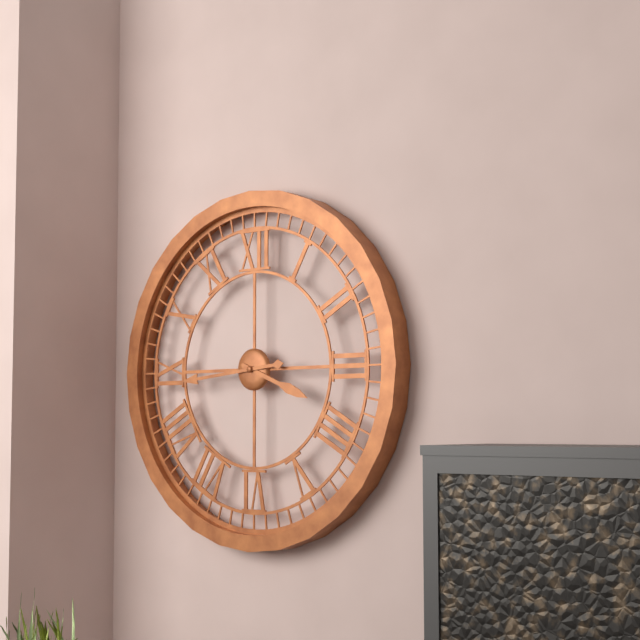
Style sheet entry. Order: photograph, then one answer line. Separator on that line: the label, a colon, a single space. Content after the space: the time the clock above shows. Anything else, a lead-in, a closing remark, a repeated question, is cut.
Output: 3:44
